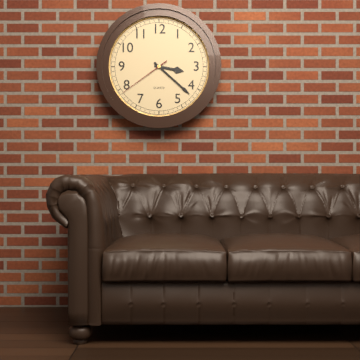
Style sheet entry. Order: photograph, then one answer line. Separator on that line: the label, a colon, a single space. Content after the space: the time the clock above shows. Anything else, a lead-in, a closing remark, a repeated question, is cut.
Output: 3:22:39
